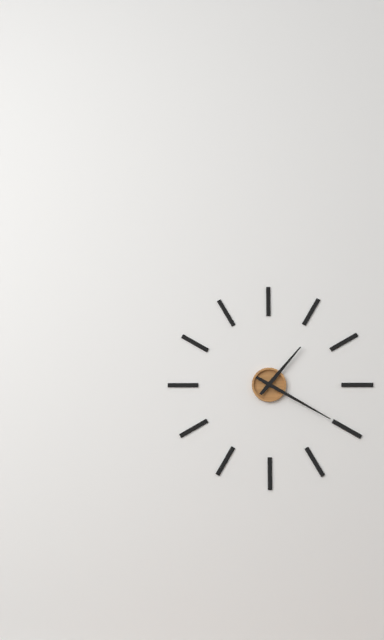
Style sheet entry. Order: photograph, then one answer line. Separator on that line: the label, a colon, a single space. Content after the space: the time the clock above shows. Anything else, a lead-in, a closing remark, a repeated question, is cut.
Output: 1:20
